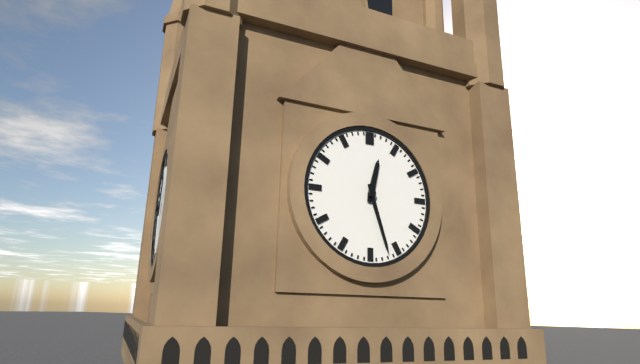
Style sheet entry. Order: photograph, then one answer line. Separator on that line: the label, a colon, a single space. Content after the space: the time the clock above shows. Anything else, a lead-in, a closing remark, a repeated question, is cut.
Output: 12:27
